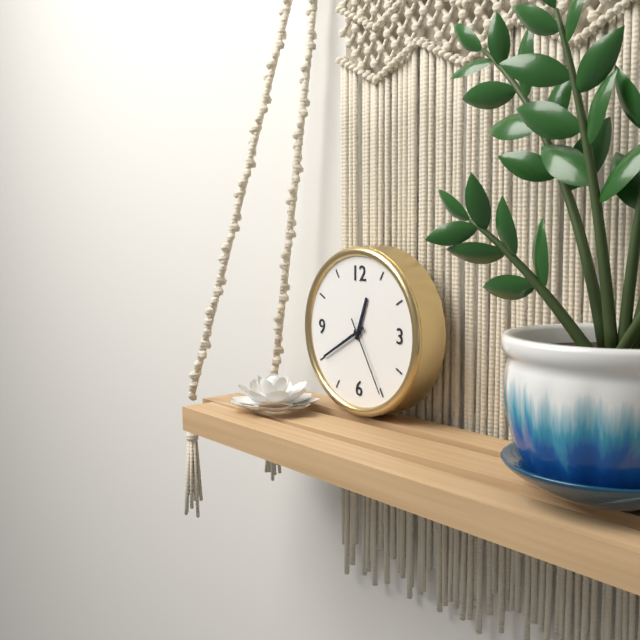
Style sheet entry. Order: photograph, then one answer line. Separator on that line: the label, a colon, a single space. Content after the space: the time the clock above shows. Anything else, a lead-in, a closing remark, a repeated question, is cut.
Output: 12:40:25
